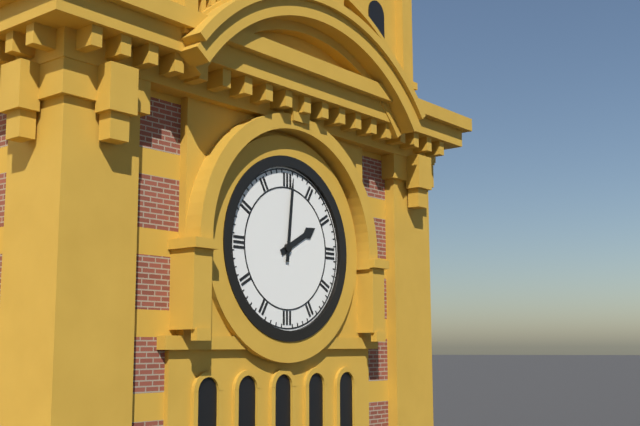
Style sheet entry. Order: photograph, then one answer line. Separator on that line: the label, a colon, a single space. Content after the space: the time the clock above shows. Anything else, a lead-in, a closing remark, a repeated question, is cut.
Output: 2:01
